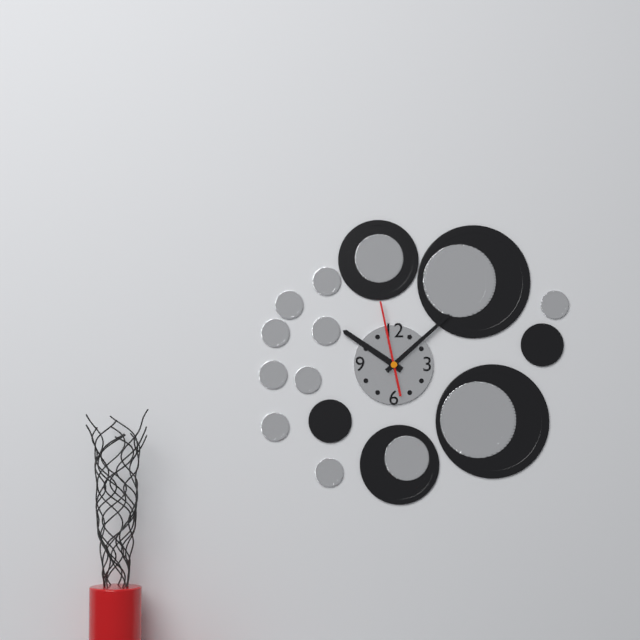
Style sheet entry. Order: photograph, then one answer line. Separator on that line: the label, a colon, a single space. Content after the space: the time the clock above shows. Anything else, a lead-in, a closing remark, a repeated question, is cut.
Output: 10:08:58
